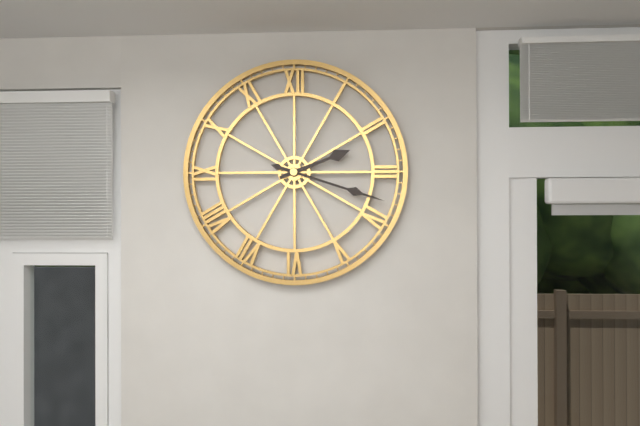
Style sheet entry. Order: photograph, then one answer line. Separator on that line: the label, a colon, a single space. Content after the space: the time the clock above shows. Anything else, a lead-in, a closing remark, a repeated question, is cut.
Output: 2:18
